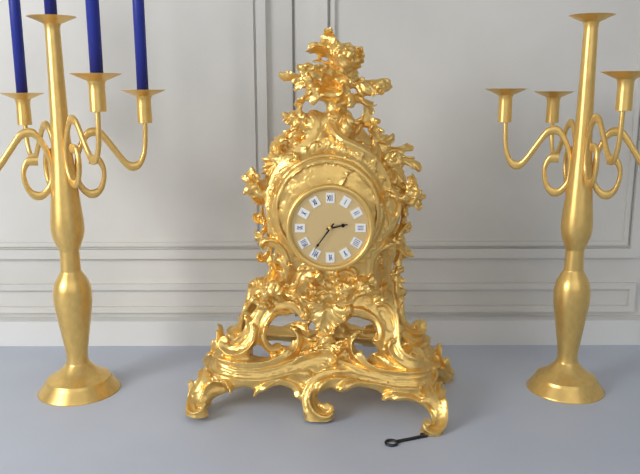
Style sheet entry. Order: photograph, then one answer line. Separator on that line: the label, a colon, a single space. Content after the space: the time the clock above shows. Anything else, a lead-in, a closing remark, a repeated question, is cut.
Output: 2:36
